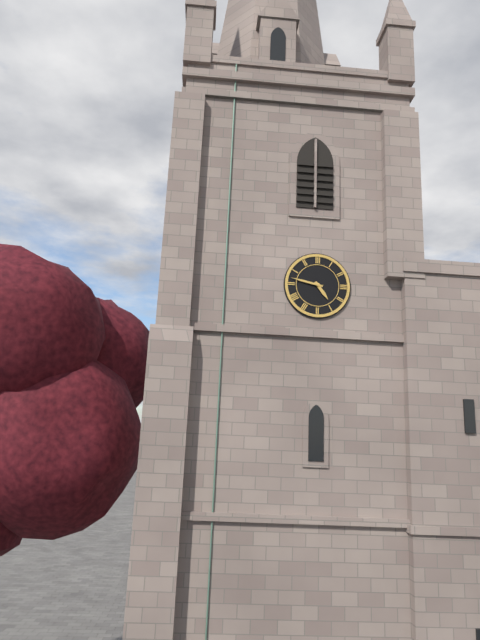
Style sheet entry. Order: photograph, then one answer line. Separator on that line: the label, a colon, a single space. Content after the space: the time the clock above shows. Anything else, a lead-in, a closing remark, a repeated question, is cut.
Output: 4:47
